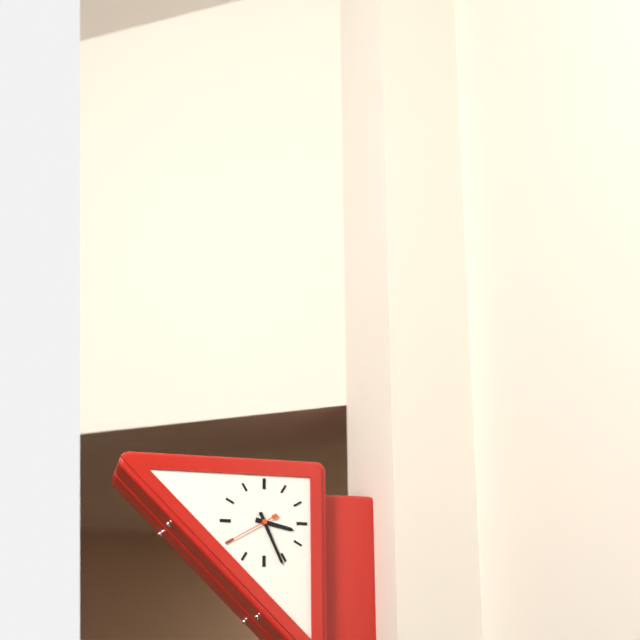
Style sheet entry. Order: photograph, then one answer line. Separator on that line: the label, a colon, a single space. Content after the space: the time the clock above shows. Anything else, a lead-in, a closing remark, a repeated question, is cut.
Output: 3:26:40
